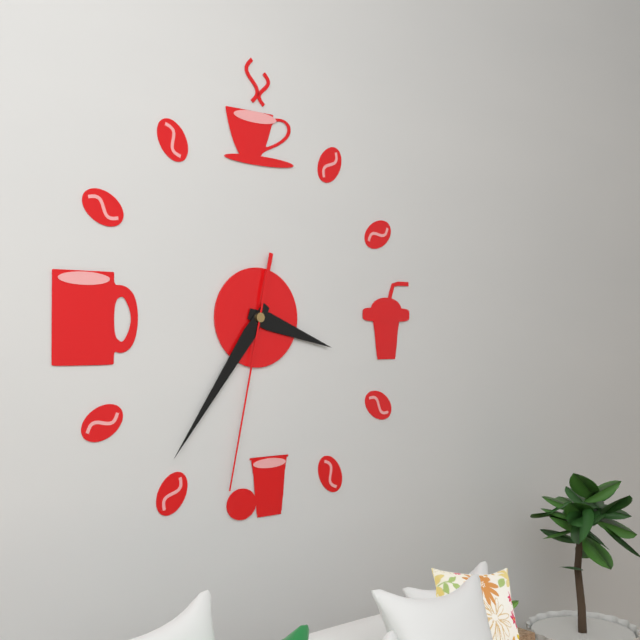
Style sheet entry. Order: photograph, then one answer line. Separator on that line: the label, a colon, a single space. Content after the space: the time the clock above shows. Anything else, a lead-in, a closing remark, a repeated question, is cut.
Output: 3:36:32
